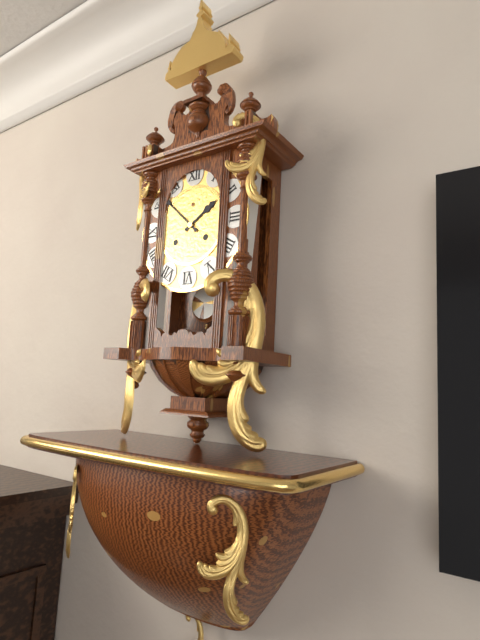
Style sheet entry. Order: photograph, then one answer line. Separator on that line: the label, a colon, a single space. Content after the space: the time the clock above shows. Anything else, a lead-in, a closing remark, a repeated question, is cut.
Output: 1:52
